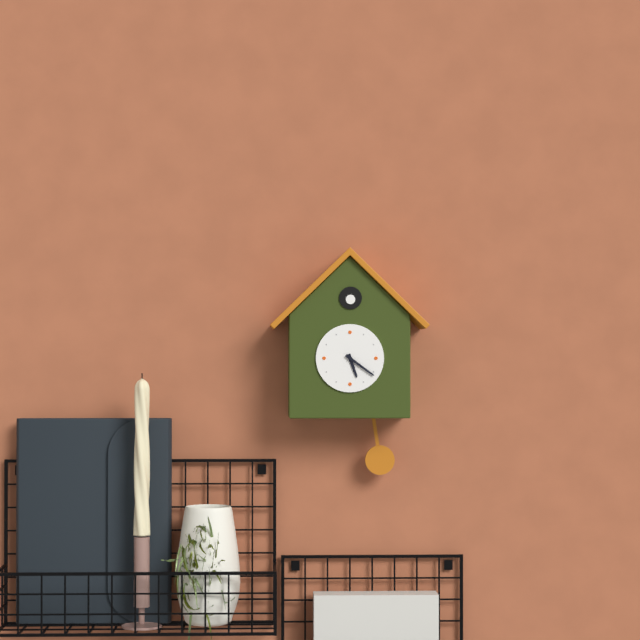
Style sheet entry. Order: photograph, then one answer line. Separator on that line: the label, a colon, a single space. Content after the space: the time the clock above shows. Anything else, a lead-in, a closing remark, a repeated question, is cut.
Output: 5:21
